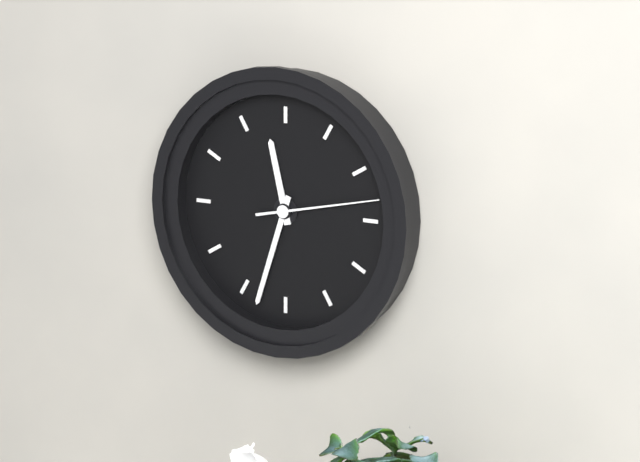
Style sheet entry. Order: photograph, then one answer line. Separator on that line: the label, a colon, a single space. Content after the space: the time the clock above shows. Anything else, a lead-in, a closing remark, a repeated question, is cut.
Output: 11:33:13
